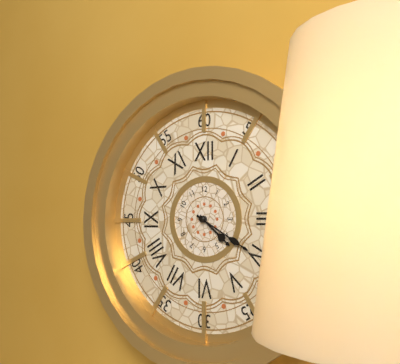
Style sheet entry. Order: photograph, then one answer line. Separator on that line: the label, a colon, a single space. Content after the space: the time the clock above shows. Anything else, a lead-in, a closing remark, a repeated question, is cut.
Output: 4:20
